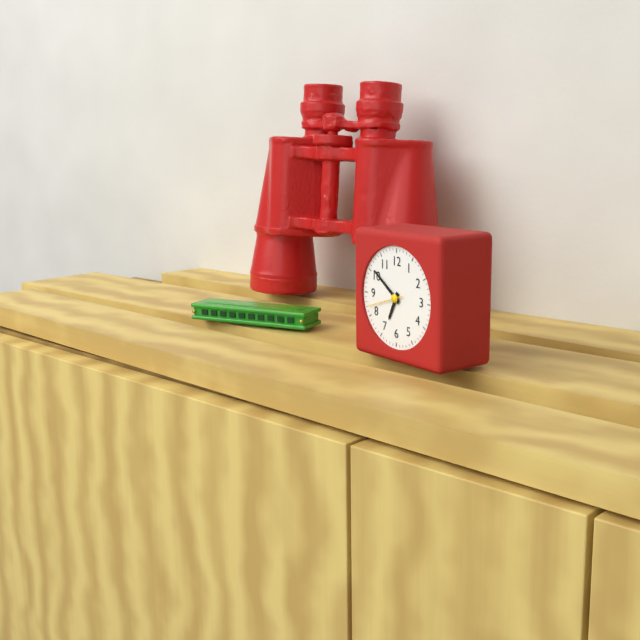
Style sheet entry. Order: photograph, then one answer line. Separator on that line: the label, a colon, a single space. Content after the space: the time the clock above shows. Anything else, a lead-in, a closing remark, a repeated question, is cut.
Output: 6:51
